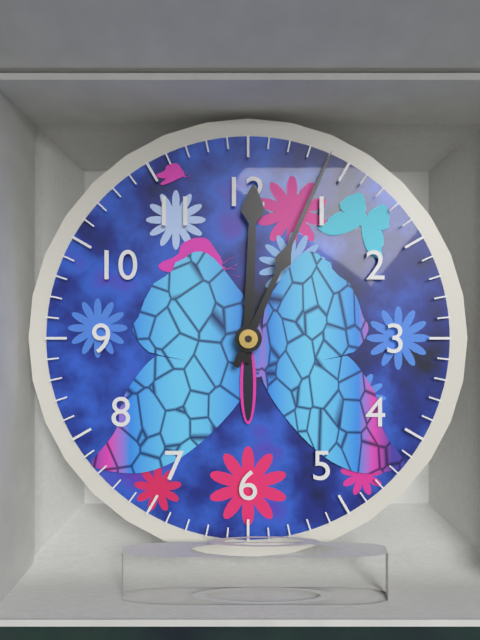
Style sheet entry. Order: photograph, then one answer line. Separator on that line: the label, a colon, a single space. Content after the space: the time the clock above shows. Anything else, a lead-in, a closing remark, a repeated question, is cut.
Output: 12:04
